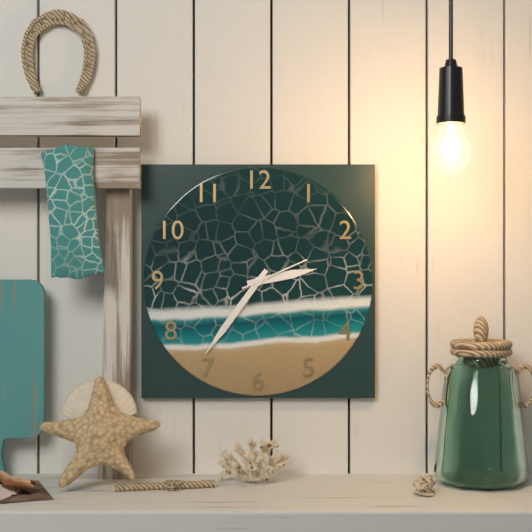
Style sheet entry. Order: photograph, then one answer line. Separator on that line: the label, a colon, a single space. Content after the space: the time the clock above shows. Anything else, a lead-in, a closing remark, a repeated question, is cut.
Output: 2:36:11
